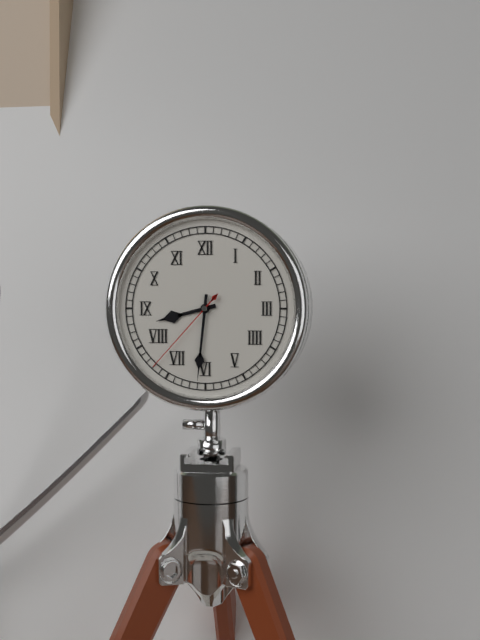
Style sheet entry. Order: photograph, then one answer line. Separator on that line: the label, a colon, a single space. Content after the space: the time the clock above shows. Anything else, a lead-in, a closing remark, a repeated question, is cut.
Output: 8:31:37
